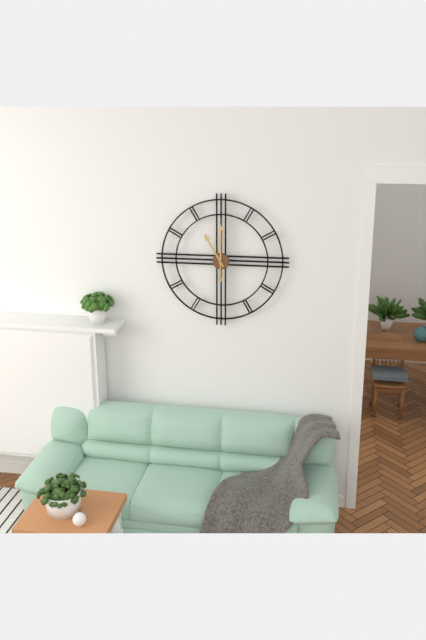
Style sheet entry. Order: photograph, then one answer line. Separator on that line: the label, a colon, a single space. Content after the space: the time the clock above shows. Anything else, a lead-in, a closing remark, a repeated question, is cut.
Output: 11:00
